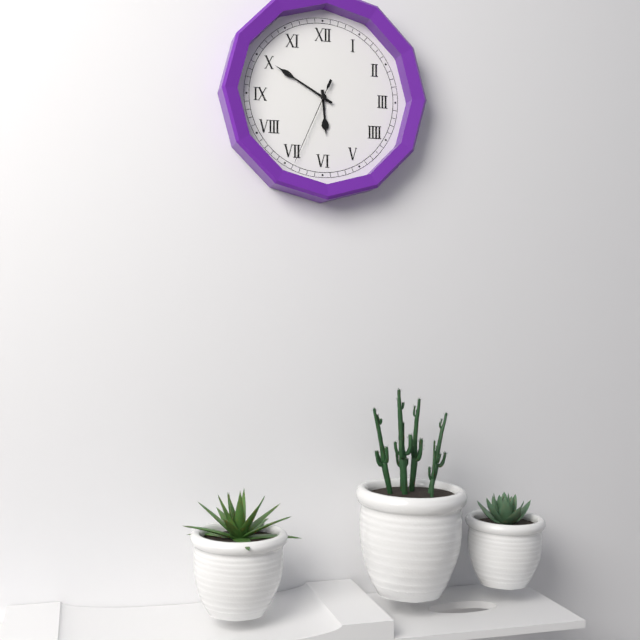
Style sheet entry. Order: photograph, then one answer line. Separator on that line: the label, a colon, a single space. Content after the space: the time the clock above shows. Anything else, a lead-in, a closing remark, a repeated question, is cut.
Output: 5:50:34
